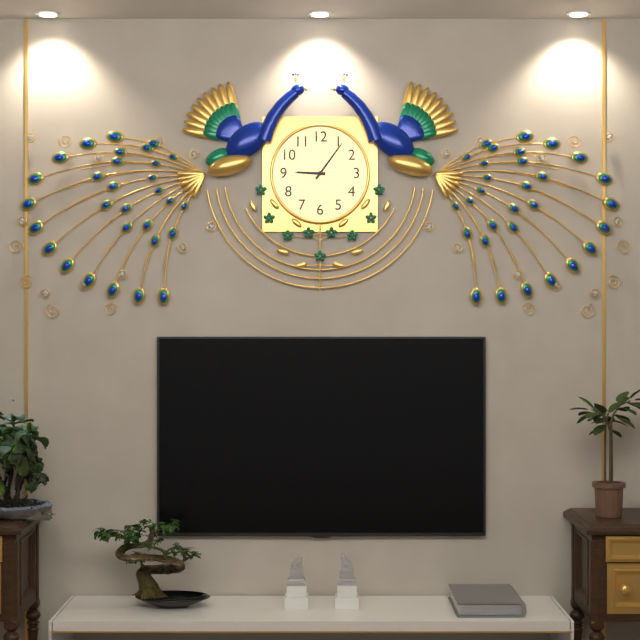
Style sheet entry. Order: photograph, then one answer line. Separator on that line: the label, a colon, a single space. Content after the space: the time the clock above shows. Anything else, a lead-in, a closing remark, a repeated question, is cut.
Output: 9:06
